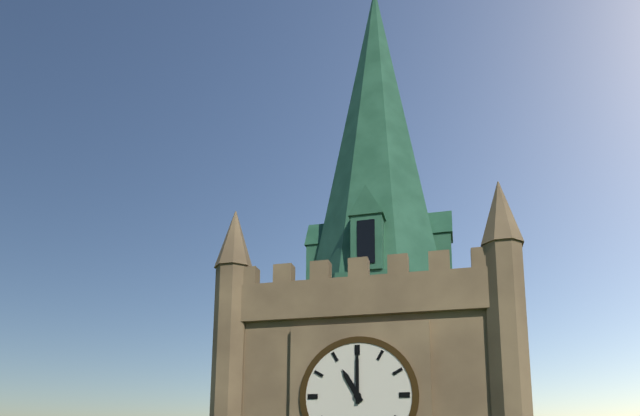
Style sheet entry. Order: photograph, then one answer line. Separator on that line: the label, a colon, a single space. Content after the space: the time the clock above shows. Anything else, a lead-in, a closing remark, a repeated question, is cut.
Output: 11:00
